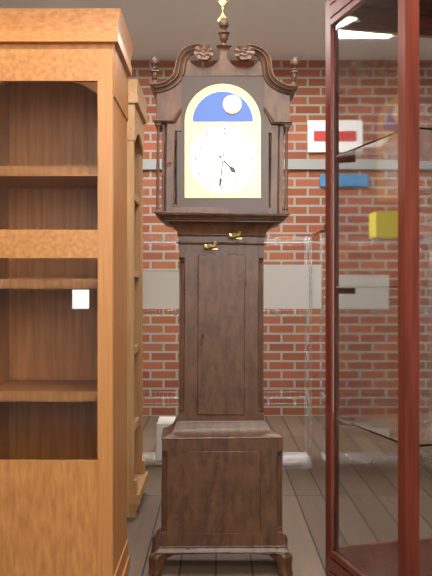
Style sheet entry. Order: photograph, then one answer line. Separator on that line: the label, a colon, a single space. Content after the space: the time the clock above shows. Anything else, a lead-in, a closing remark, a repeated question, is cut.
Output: 4:31
